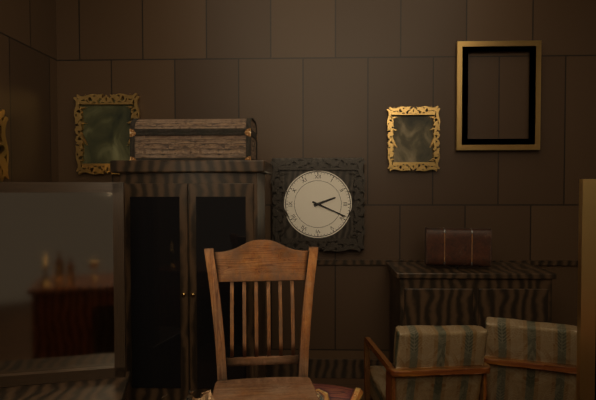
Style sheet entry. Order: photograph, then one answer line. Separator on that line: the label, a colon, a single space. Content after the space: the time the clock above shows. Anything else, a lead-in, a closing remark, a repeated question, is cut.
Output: 2:19
